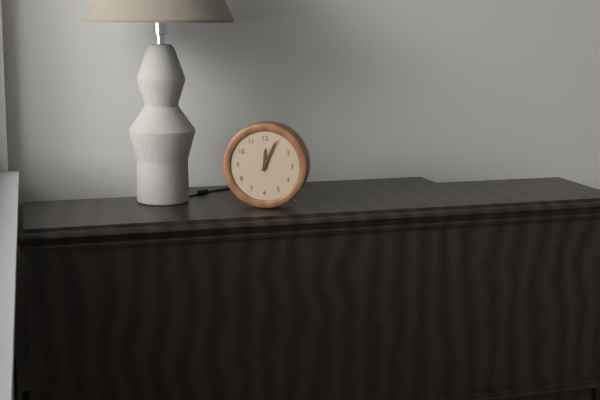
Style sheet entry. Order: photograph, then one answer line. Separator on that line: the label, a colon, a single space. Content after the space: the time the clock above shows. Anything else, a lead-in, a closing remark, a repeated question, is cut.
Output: 12:04
